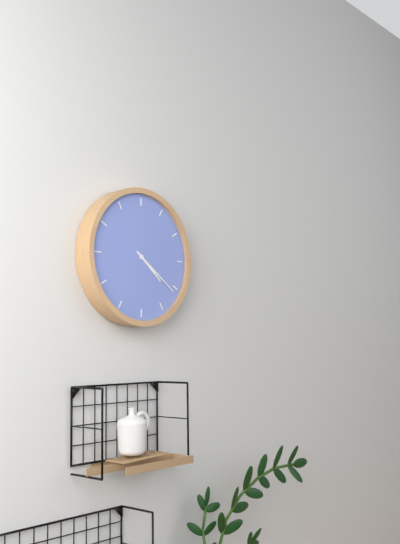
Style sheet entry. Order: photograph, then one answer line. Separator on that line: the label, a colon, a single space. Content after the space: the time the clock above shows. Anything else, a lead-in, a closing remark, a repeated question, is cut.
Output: 4:21
